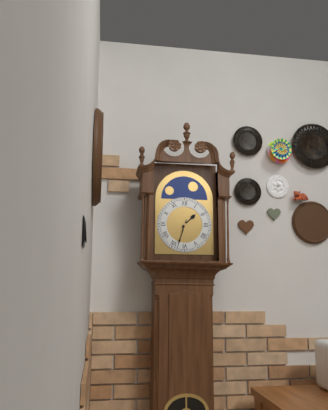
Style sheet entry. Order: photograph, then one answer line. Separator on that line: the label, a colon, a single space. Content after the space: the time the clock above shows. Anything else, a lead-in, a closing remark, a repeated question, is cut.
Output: 1:33
